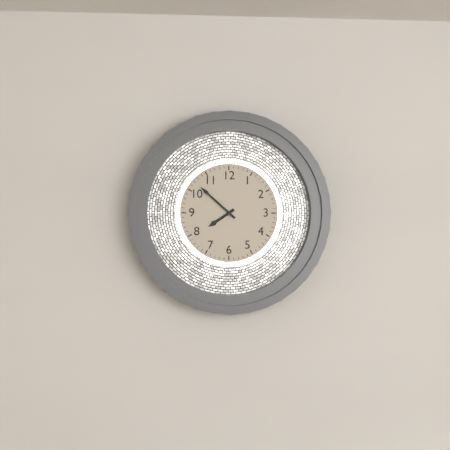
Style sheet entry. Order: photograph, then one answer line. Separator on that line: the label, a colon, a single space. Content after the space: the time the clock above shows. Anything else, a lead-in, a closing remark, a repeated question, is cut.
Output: 7:52
